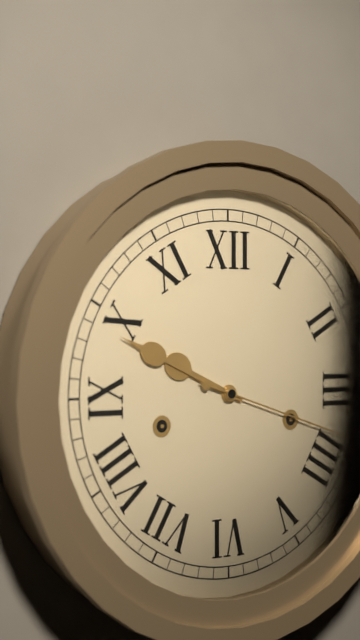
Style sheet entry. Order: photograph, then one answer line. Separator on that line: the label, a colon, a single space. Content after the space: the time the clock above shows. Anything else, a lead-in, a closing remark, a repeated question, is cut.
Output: 9:49:18
